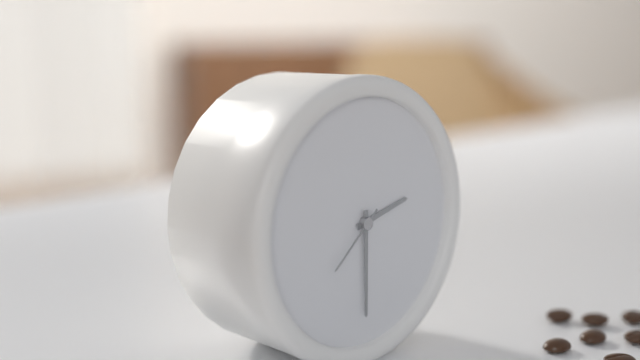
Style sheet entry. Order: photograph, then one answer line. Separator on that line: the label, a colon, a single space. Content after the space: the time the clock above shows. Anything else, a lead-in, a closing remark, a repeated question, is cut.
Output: 2:30:38
